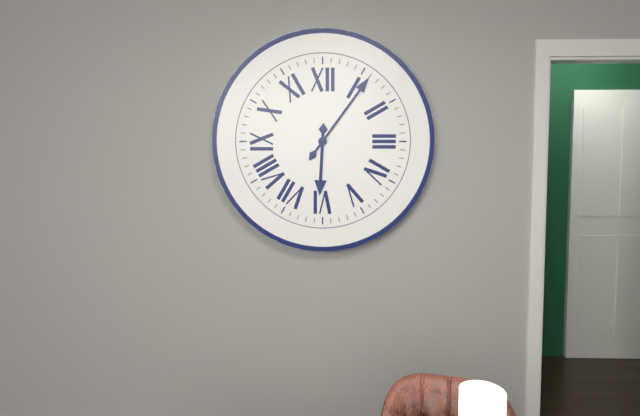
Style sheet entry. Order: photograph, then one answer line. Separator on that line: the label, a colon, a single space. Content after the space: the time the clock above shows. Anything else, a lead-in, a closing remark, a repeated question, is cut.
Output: 6:06
